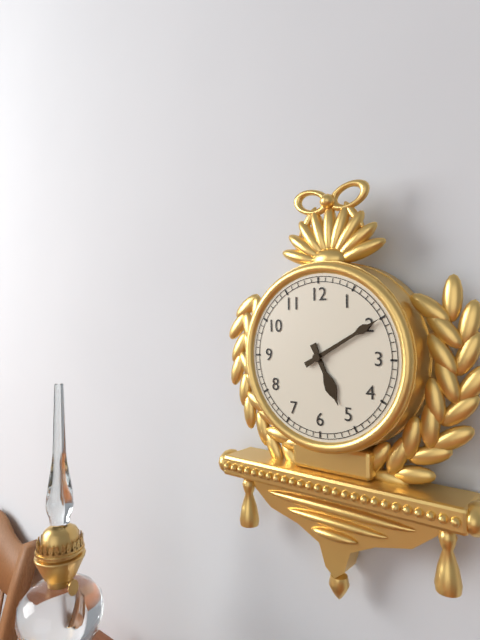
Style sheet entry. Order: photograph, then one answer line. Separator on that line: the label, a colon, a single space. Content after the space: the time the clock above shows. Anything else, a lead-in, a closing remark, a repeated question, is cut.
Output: 5:10
